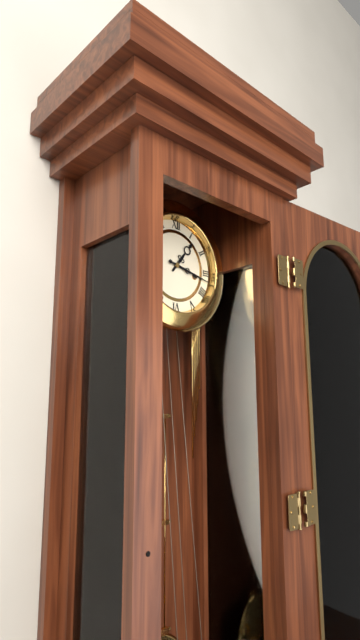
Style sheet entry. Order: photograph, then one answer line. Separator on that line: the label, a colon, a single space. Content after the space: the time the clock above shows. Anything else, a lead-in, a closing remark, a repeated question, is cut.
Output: 1:17
